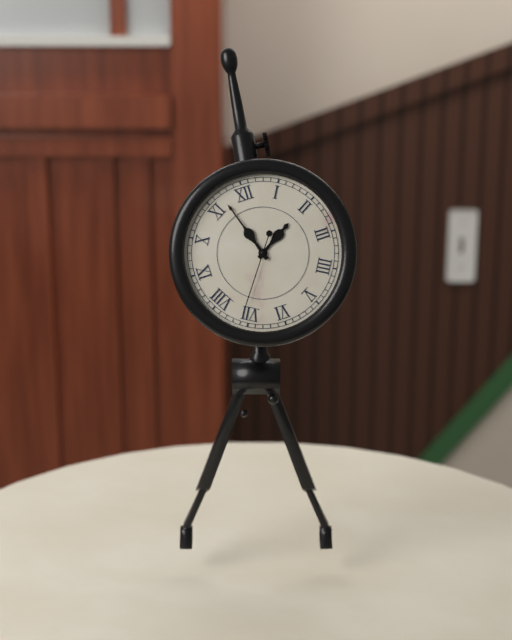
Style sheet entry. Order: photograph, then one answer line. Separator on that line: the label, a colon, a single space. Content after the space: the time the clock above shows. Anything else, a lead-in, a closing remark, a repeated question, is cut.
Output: 1:57:36
